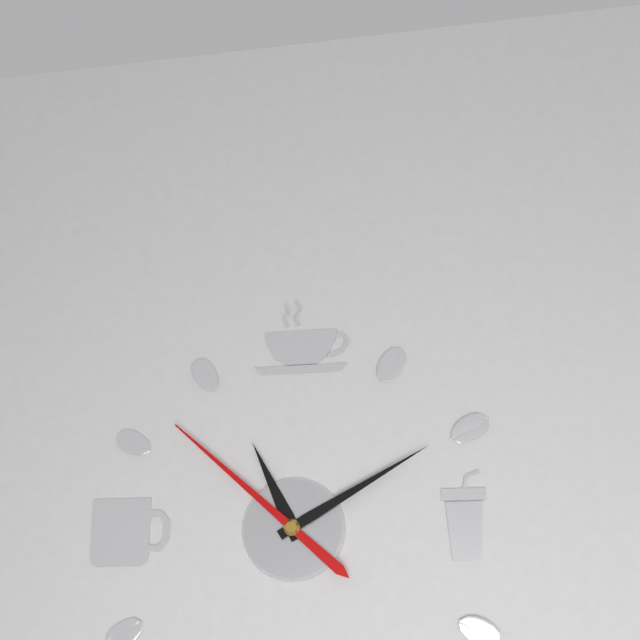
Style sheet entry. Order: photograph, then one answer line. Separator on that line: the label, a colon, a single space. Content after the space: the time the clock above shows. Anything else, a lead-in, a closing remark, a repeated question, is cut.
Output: 11:10:52
